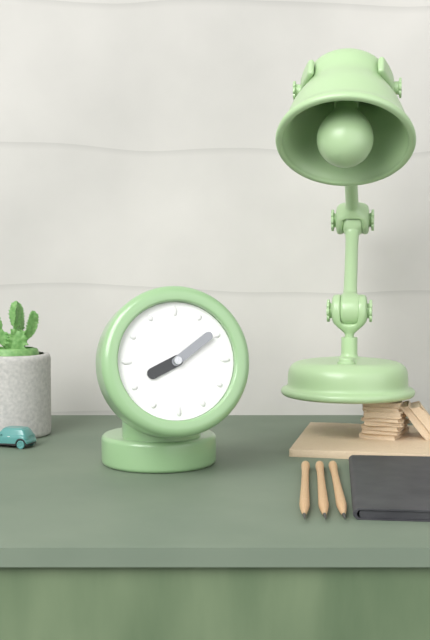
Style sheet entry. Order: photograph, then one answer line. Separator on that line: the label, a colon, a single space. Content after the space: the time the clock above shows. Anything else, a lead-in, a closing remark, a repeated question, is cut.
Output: 8:09
